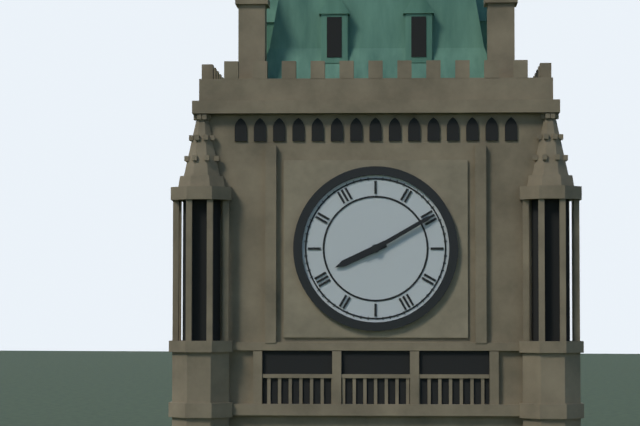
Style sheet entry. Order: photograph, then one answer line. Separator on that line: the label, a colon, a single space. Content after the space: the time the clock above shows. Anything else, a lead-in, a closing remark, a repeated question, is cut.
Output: 8:10
